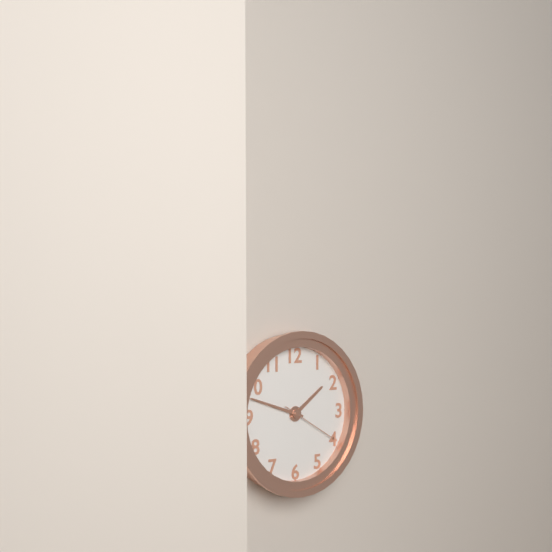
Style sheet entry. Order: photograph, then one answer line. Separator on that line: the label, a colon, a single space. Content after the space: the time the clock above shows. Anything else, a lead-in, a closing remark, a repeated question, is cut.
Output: 1:48:20
